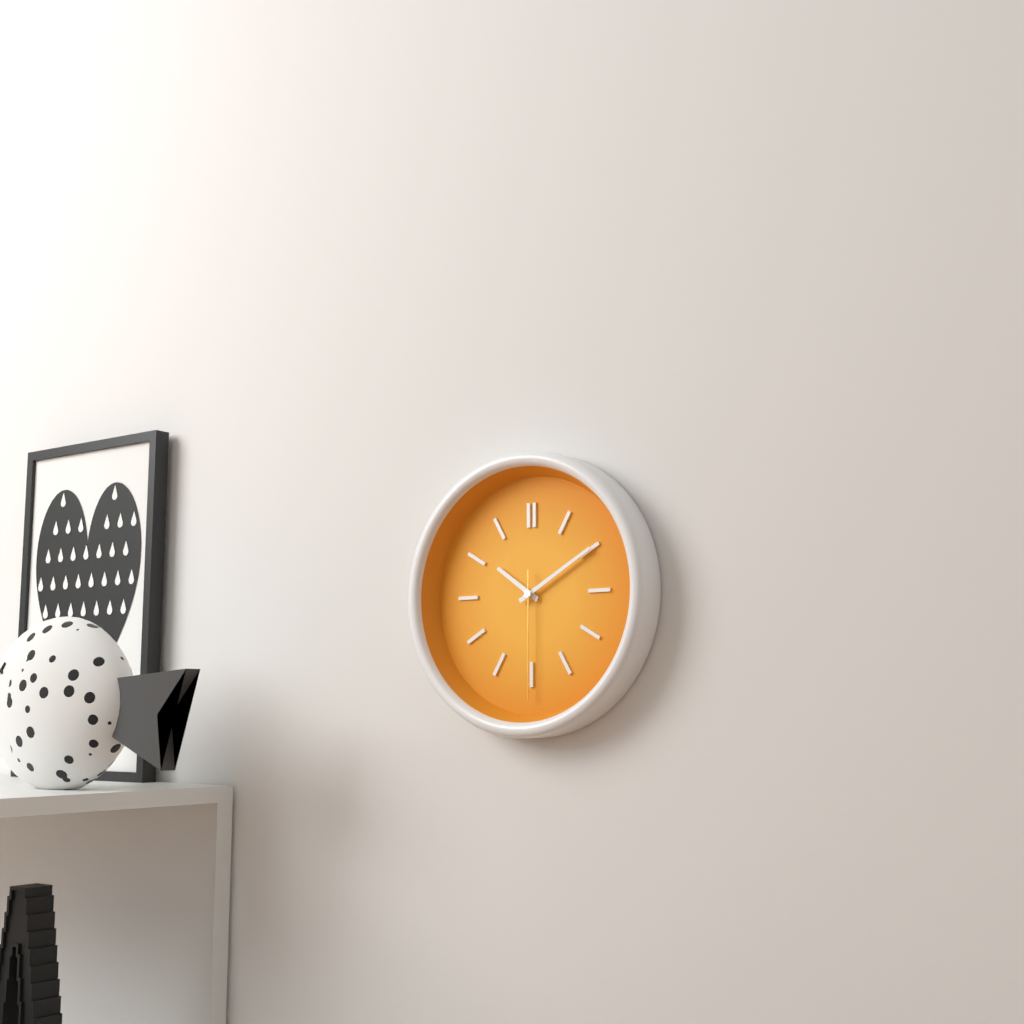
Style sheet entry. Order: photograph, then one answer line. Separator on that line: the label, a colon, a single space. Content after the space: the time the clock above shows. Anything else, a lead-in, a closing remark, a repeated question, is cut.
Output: 10:10:30
